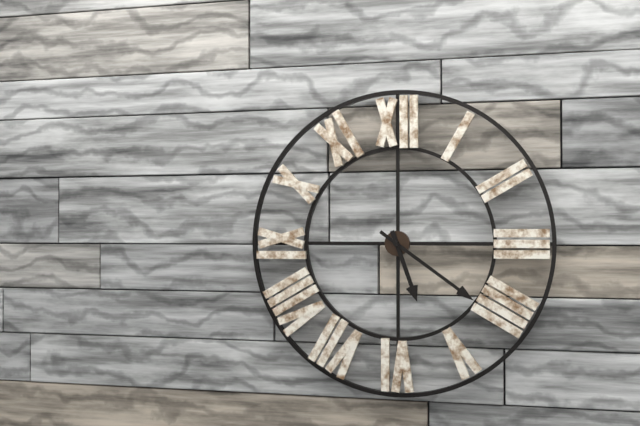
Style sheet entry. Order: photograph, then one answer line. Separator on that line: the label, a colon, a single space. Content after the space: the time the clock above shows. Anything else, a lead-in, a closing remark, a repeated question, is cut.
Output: 5:21
